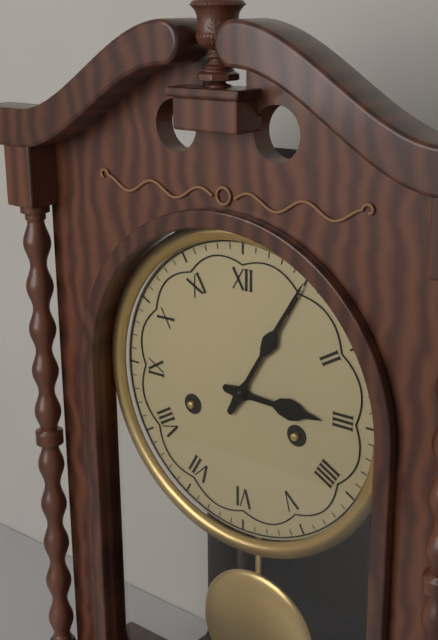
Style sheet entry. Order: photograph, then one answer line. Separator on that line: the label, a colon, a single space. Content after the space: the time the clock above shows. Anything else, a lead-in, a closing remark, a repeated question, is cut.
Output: 3:05
